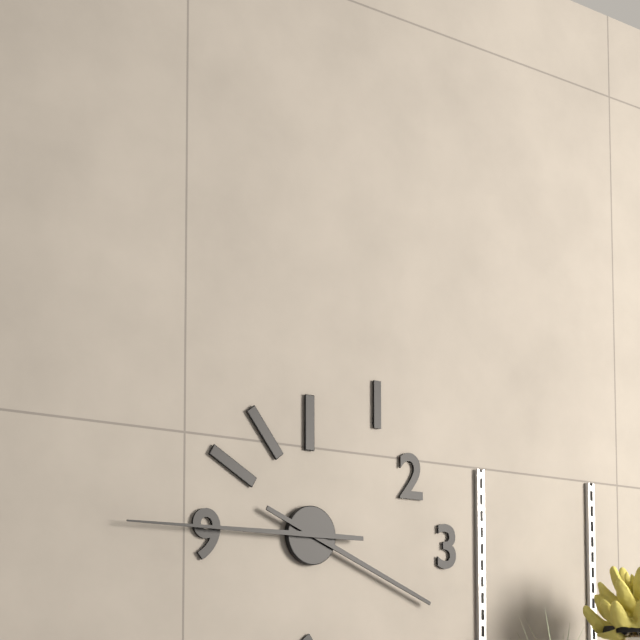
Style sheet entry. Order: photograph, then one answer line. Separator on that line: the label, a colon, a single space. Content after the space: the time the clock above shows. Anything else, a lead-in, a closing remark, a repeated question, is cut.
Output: 3:45
